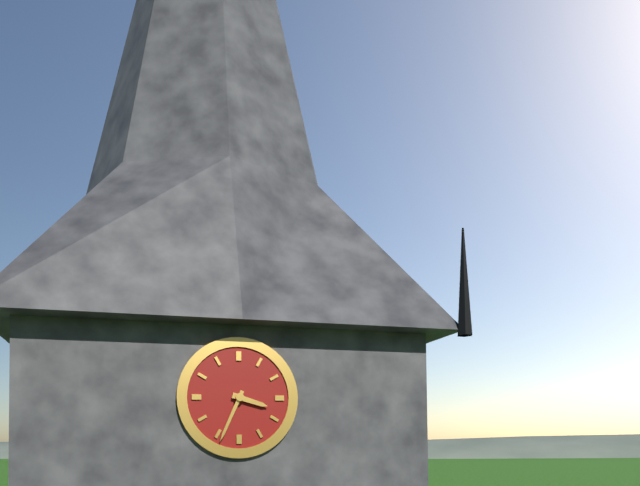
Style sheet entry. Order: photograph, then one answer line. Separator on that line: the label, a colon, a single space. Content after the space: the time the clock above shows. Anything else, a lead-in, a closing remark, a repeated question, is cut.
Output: 3:34
